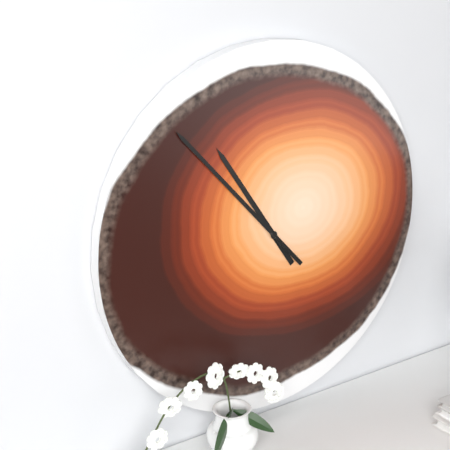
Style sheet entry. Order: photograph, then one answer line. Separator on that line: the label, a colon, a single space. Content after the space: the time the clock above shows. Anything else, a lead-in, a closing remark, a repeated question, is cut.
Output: 10:53
